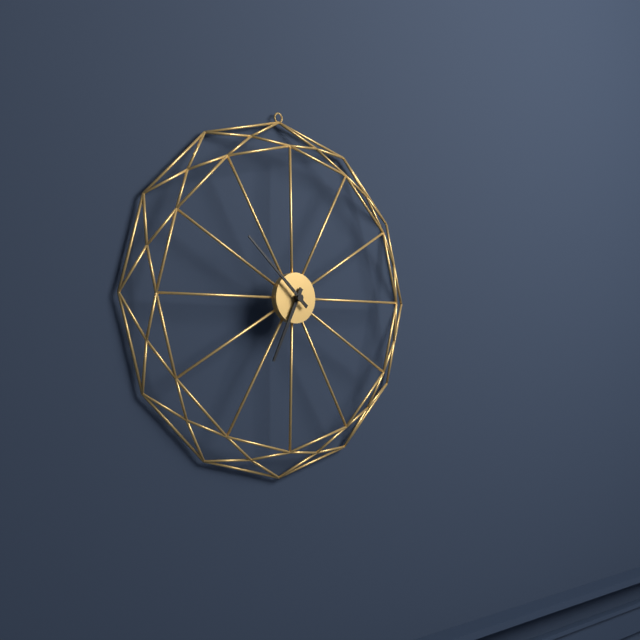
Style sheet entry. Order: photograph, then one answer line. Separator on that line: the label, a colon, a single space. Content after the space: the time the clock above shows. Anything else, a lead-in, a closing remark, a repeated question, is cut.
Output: 6:52
